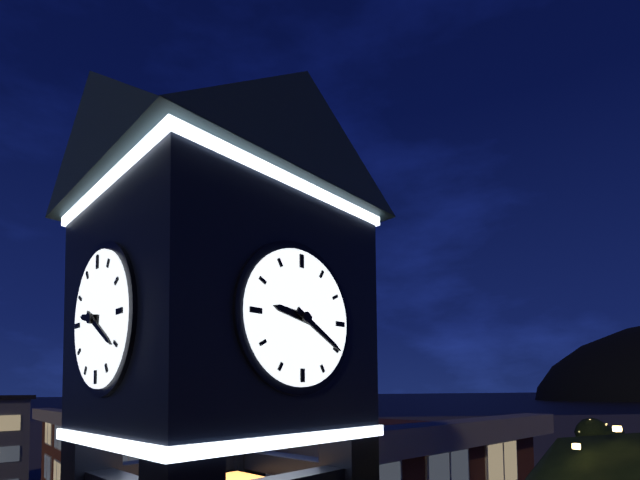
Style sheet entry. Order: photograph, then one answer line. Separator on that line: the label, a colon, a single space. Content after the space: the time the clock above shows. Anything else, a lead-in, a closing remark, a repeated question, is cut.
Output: 9:20
